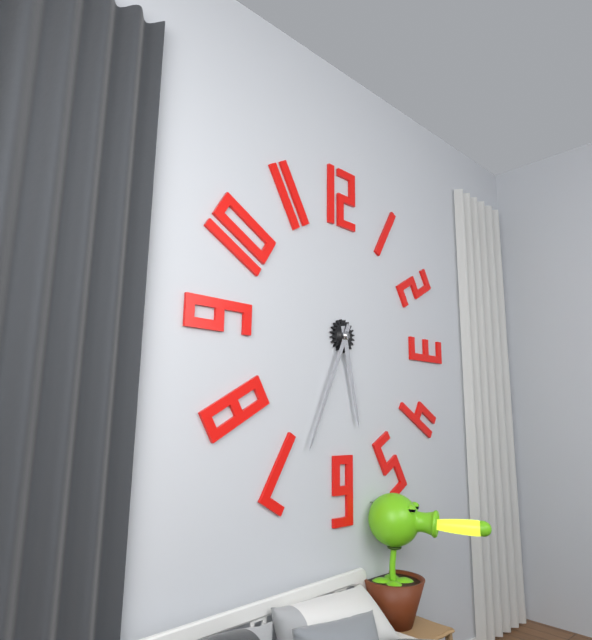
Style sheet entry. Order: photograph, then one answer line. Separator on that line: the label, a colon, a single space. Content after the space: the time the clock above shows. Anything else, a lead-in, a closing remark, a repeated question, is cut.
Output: 5:34
